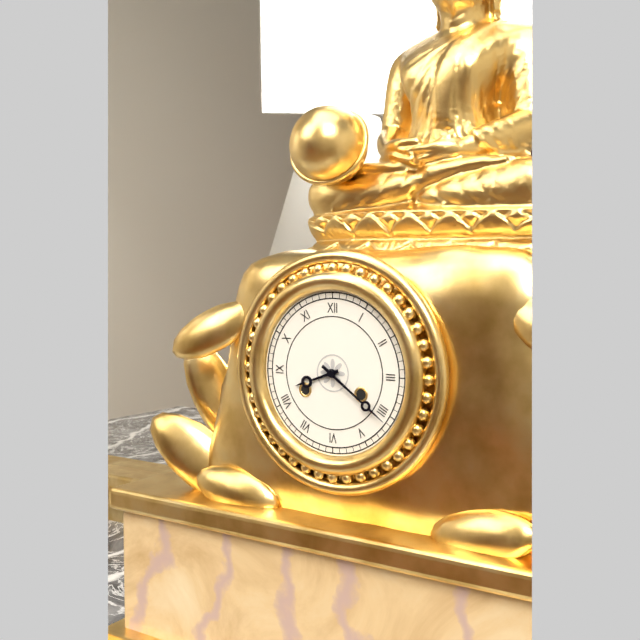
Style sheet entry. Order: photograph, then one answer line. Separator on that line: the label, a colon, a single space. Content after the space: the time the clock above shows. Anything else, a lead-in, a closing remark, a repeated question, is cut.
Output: 8:21
